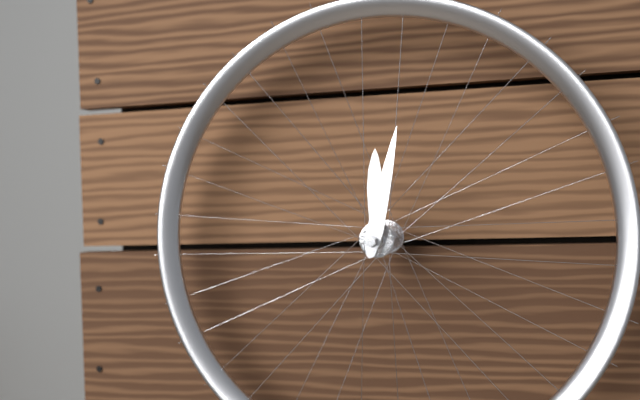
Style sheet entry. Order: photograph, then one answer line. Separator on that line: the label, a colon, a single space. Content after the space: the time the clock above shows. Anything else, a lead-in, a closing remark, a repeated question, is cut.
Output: 12:02
